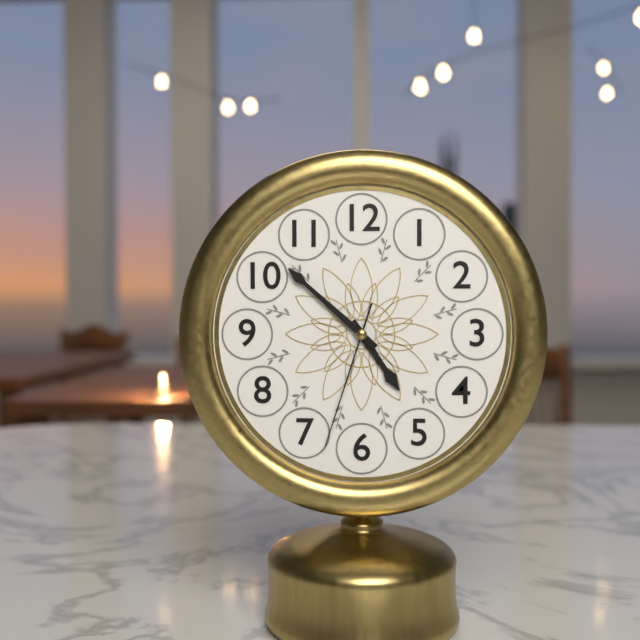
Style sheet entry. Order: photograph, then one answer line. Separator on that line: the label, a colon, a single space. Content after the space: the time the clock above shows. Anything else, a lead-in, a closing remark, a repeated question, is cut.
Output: 4:52:33
